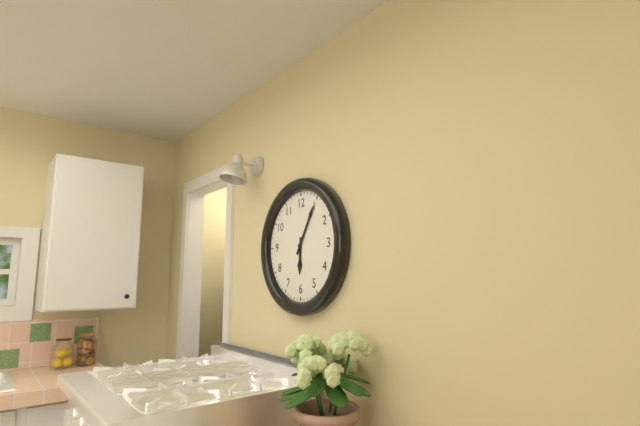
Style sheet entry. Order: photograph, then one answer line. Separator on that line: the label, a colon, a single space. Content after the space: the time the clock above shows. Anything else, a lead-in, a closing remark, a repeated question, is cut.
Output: 6:05
